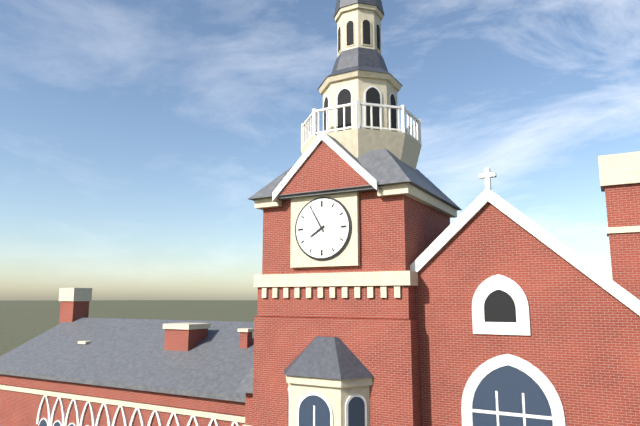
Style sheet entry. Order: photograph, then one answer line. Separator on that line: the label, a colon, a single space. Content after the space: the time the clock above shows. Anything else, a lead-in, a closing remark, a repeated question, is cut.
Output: 7:55
